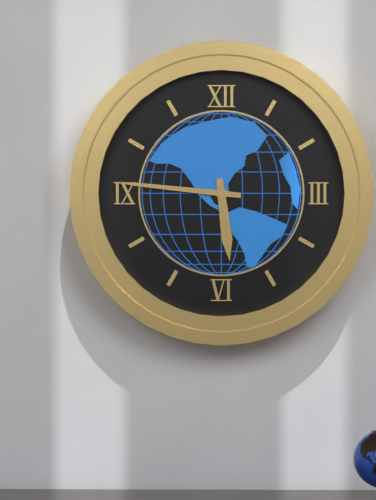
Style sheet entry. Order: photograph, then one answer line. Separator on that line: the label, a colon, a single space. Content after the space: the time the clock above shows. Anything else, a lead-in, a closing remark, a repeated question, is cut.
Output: 5:46
